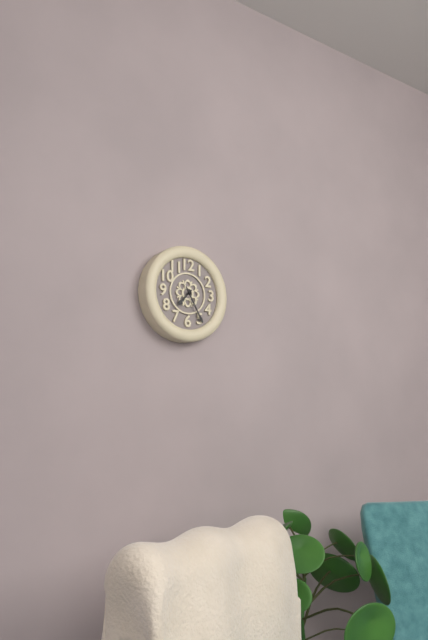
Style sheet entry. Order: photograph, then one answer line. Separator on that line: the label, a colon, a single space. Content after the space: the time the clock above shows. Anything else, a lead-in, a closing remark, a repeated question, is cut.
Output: 7:25
